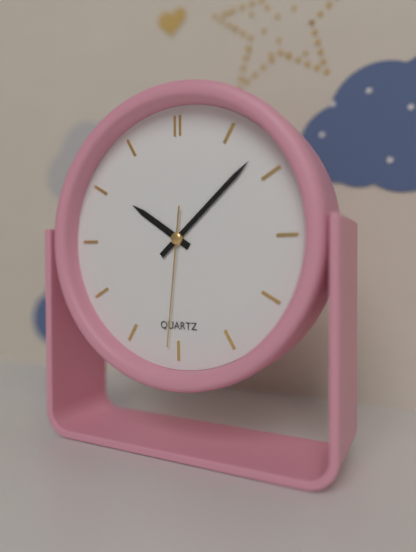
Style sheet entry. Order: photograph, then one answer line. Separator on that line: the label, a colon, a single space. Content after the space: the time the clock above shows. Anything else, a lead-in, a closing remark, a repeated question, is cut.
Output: 10:08:31
